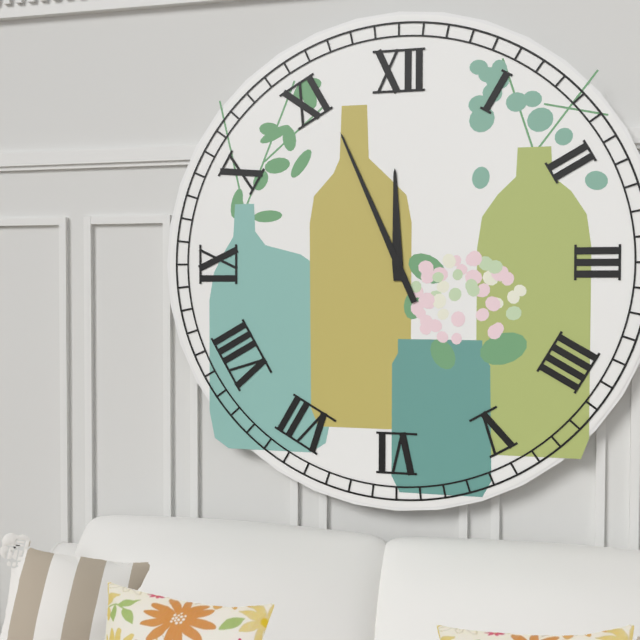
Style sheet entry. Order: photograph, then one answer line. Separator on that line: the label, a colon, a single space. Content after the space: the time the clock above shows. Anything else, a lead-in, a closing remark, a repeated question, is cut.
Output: 11:56
